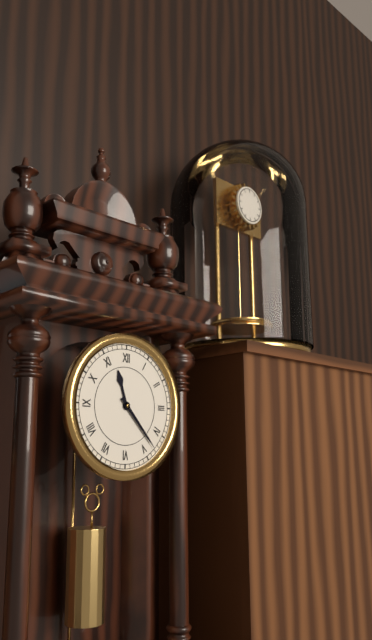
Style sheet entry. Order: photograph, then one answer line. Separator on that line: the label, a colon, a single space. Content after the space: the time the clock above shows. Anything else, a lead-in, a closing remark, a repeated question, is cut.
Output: 11:23
